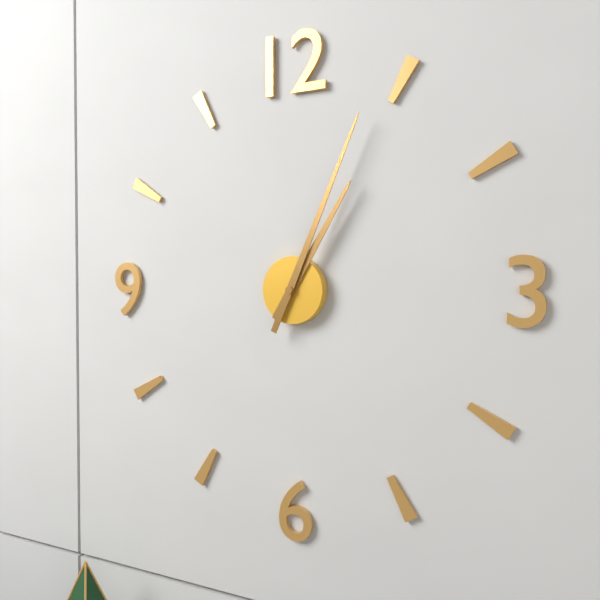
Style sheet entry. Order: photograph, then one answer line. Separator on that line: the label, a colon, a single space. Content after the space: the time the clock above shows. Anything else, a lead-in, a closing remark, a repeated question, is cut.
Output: 1:04
